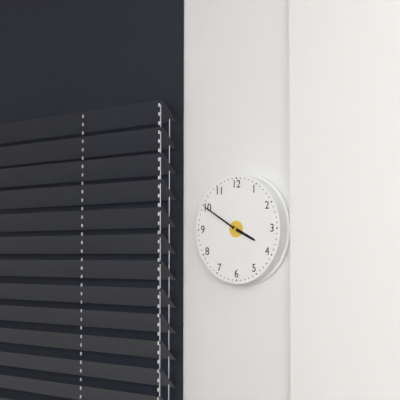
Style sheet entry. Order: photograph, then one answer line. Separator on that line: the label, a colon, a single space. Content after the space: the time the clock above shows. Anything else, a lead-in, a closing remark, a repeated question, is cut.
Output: 3:50
